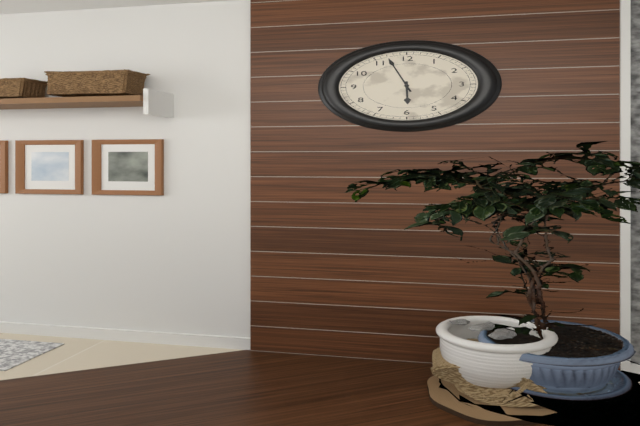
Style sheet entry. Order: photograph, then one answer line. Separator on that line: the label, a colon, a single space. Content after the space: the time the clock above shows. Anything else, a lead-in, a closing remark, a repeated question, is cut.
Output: 5:57
